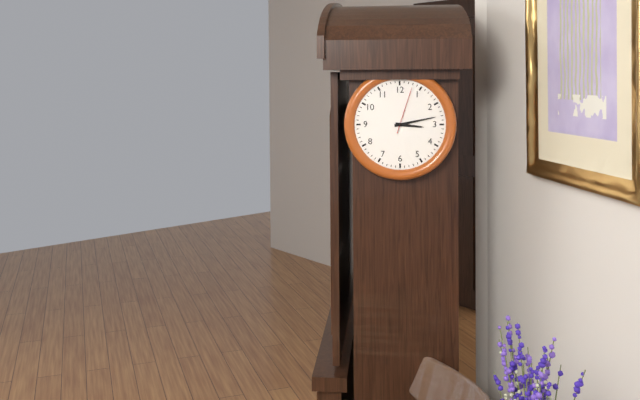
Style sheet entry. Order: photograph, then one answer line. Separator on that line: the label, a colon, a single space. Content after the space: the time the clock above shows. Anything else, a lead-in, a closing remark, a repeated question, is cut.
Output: 3:13
